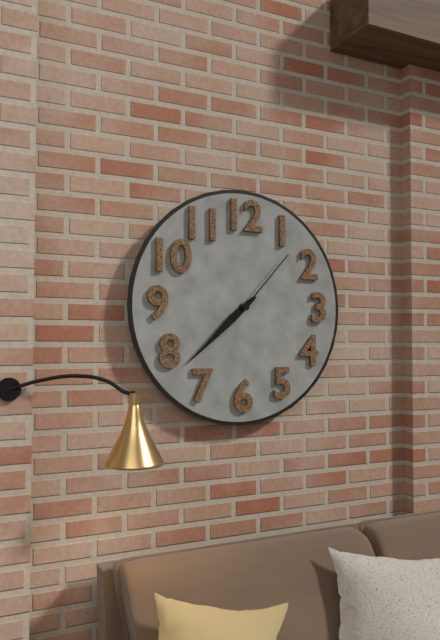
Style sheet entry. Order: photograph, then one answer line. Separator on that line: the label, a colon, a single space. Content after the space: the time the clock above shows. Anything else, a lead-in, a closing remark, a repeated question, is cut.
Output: 7:38:07
